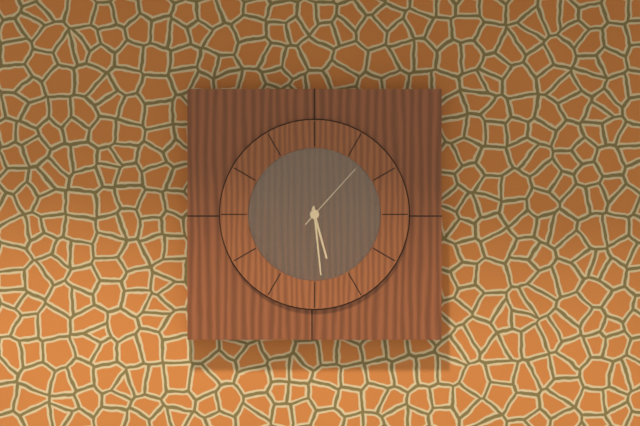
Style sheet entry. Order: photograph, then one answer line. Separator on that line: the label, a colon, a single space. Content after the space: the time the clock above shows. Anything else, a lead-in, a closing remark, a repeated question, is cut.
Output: 5:29:07
